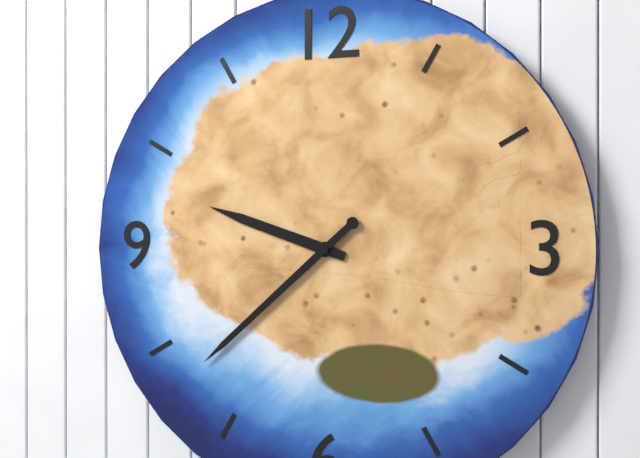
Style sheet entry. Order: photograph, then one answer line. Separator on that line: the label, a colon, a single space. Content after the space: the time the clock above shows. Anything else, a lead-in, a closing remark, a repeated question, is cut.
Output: 9:38
